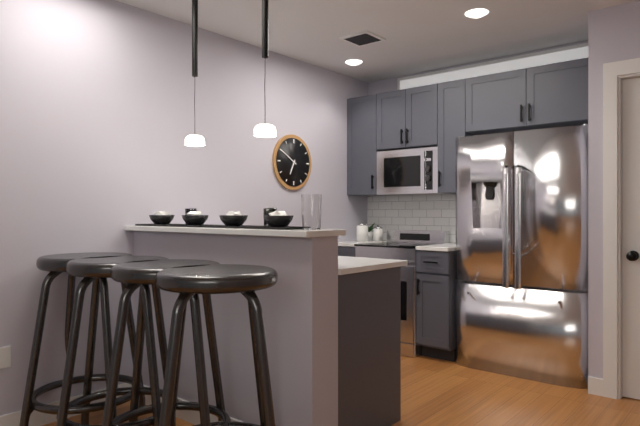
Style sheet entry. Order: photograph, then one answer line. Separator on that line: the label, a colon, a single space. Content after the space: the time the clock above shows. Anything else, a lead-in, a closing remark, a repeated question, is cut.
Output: 6:50
